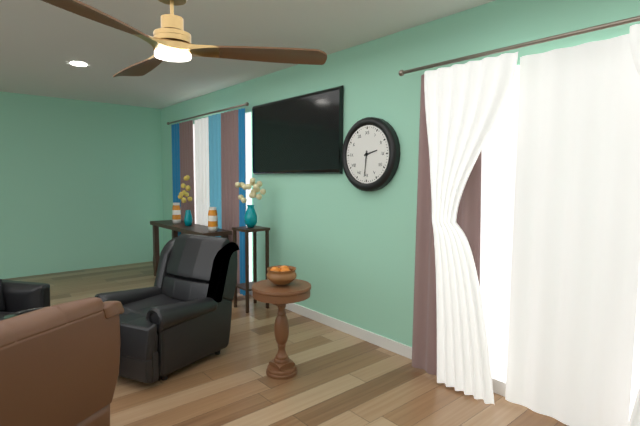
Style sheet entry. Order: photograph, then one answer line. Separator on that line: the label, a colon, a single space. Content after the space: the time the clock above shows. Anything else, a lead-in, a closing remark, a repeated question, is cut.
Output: 2:31
